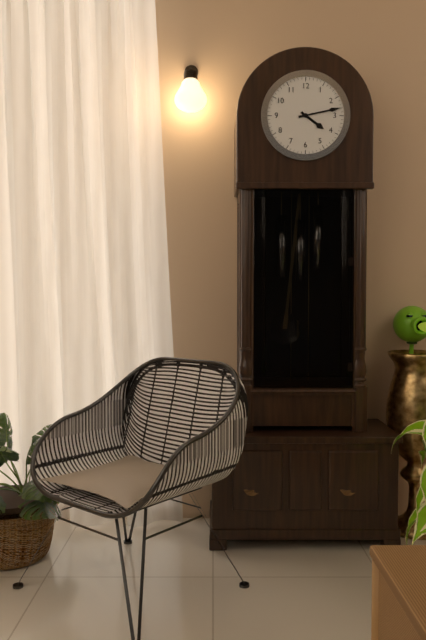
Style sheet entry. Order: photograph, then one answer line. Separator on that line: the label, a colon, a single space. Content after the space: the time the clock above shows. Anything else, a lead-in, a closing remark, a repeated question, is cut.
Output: 4:13
